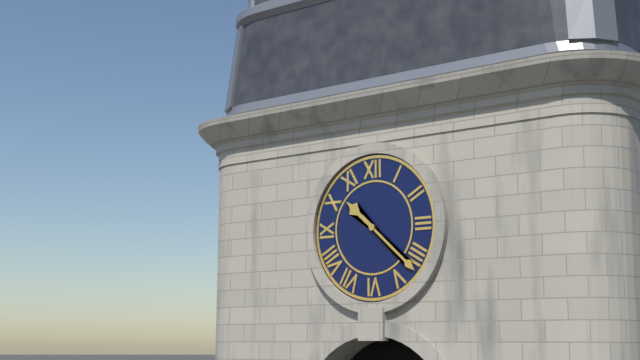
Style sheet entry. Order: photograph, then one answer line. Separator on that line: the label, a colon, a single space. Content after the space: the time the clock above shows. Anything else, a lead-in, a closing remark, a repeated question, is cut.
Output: 10:22
